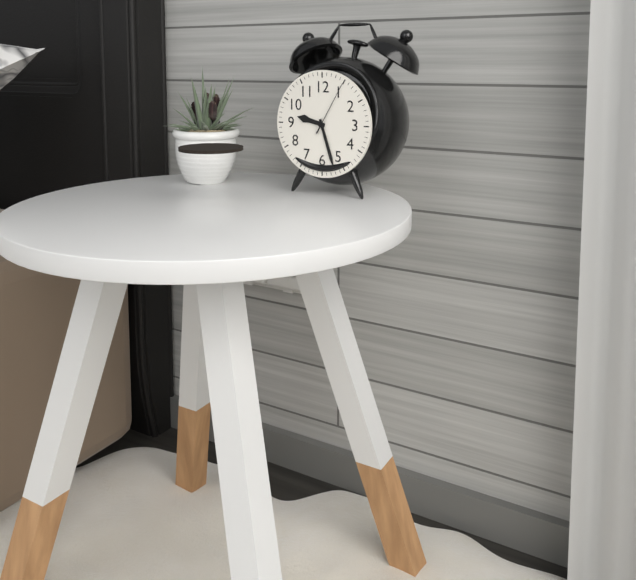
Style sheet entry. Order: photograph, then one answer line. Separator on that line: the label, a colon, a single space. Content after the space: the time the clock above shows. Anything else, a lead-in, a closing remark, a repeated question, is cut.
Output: 9:27:05
